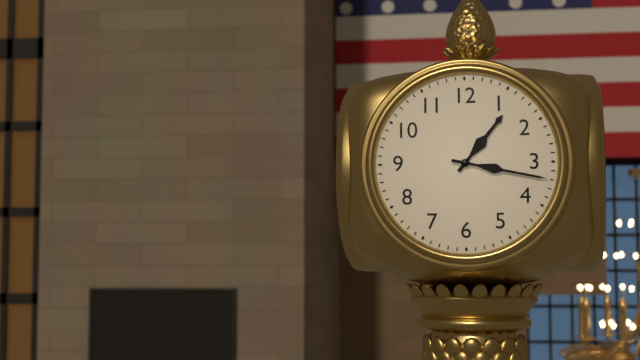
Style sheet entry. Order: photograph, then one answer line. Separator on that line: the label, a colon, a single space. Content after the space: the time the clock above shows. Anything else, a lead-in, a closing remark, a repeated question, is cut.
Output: 1:17
